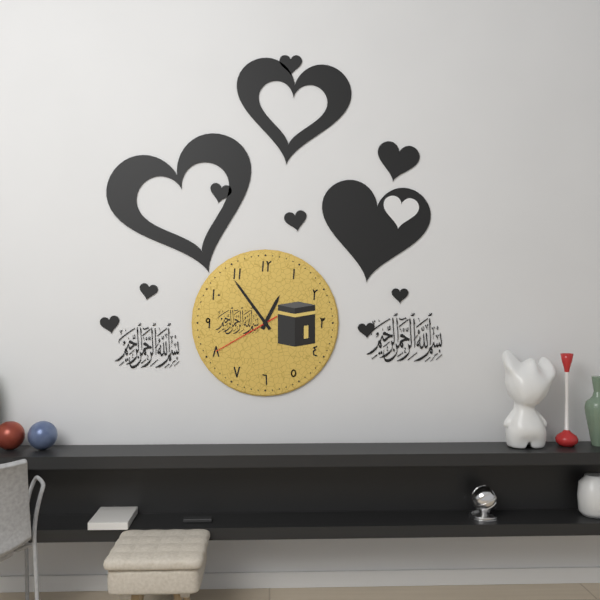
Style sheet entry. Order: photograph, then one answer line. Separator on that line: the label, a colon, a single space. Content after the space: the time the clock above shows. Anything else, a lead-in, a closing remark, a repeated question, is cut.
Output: 12:54:40
